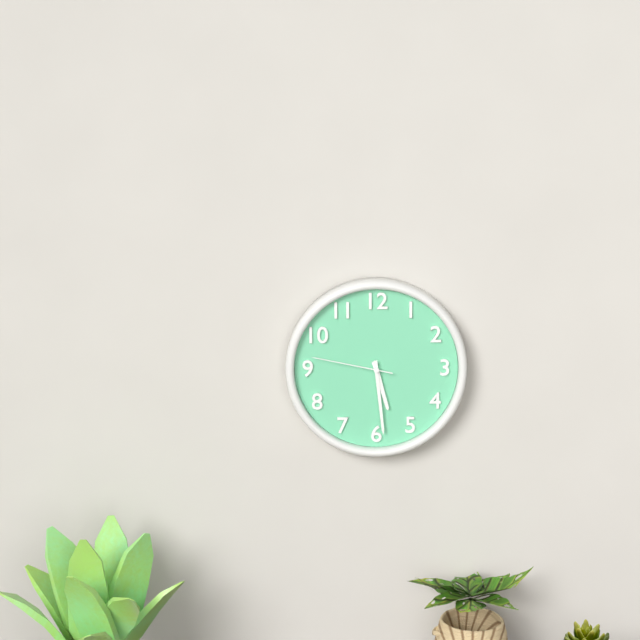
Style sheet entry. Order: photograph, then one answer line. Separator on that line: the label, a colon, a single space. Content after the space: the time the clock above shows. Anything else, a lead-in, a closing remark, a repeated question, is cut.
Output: 5:29:47
